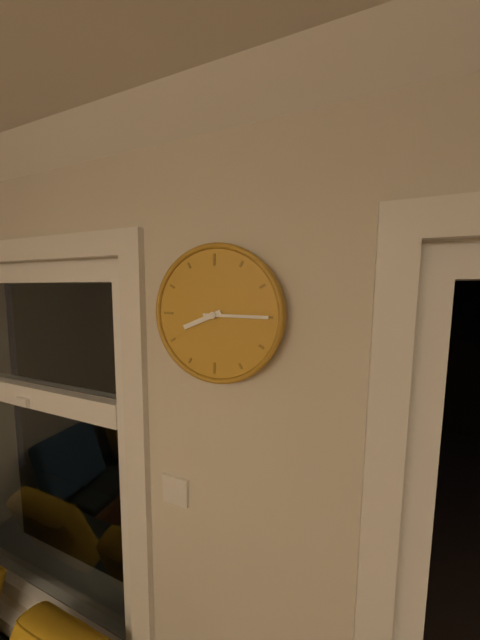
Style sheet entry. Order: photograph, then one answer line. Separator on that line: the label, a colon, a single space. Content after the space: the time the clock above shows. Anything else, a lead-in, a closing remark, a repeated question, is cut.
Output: 8:15
